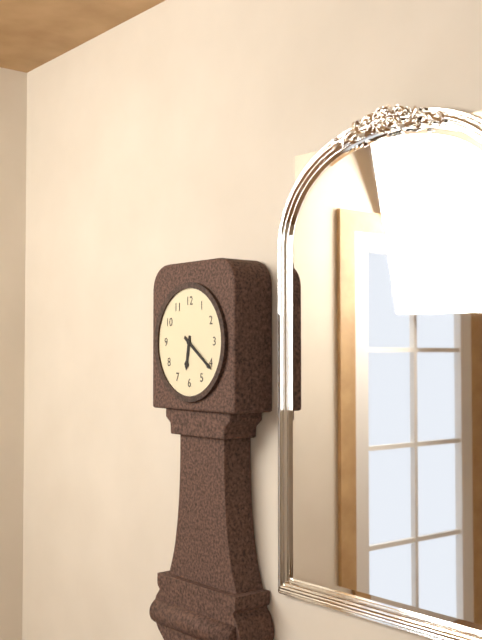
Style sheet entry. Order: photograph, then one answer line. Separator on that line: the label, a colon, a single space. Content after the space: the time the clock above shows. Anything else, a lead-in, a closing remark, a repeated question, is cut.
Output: 6:21
